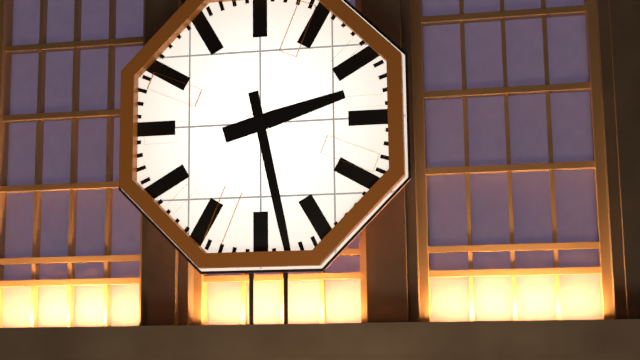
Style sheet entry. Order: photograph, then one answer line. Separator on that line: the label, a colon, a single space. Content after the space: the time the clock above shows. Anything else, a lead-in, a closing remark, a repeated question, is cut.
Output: 2:28
